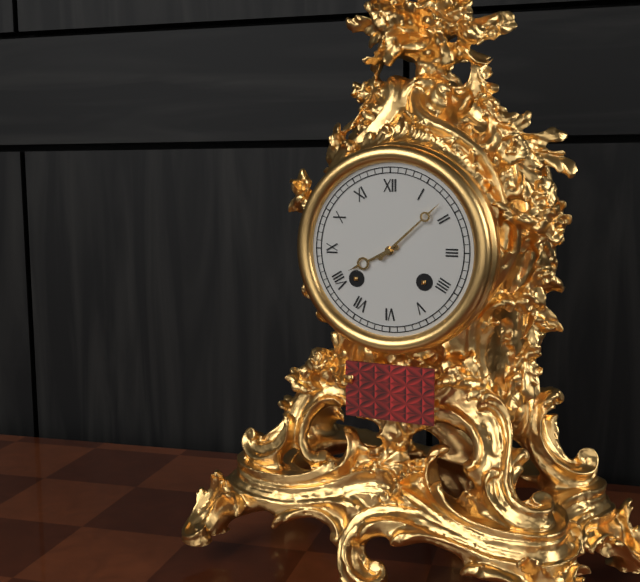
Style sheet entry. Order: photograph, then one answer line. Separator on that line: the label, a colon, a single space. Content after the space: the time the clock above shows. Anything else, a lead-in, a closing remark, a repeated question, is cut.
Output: 8:08
